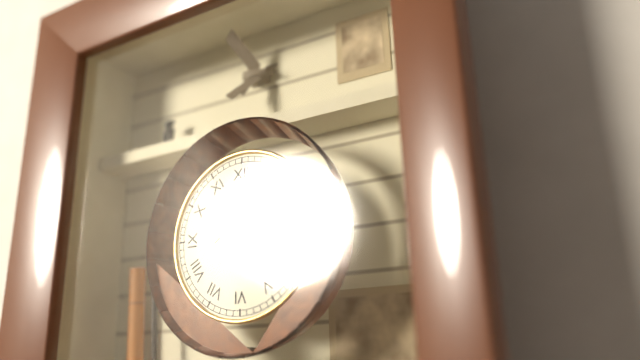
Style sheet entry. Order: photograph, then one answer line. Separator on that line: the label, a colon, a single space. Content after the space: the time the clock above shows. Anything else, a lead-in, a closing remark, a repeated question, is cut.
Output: 9:04
